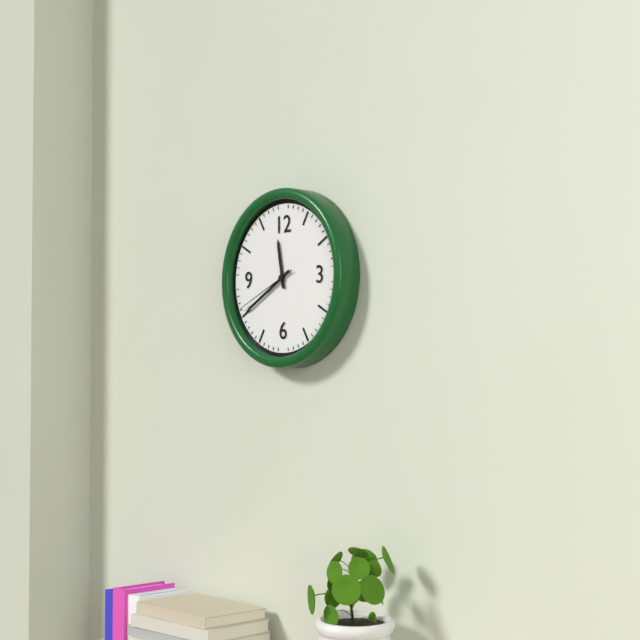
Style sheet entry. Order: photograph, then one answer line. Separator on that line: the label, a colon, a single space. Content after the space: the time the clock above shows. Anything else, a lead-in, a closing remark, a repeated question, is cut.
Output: 11:40:41
